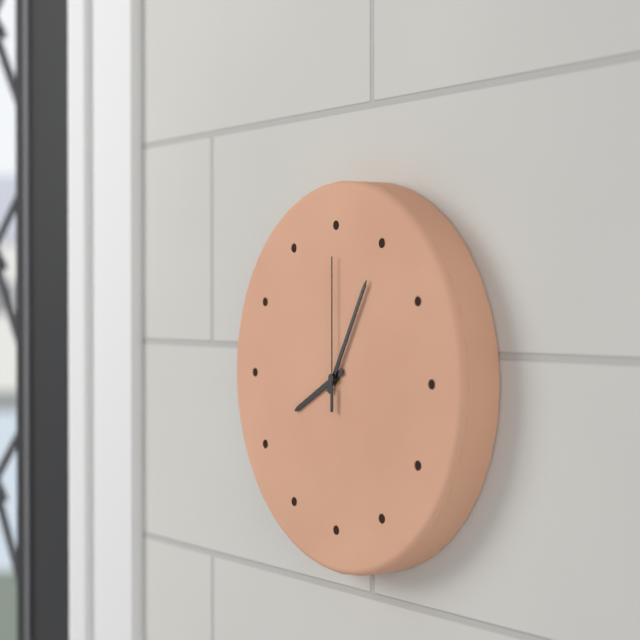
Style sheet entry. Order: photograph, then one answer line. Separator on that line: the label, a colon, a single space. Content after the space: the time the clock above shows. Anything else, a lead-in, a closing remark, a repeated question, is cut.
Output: 8:05:00
